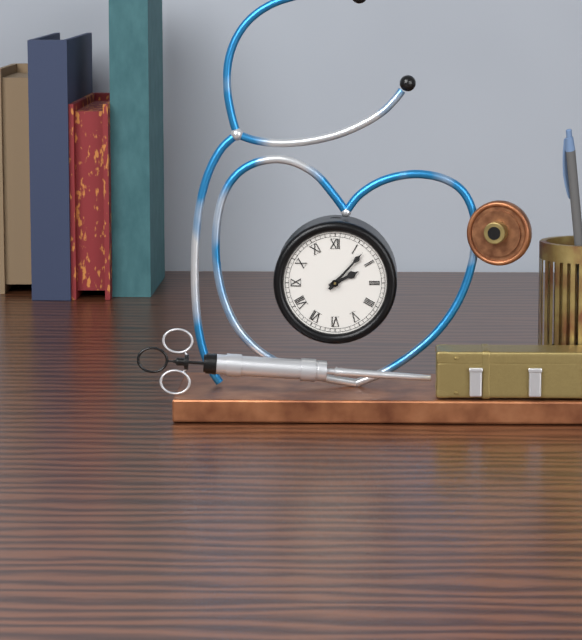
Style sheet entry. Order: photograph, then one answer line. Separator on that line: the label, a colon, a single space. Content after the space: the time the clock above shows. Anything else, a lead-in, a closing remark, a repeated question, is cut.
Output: 2:07
